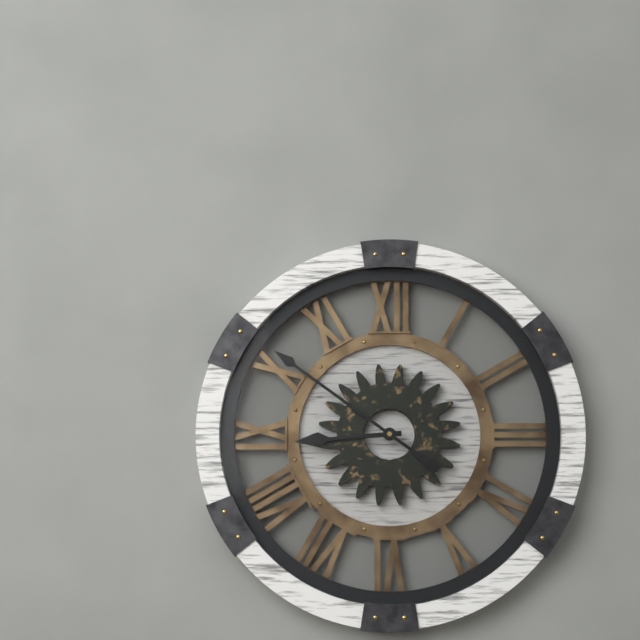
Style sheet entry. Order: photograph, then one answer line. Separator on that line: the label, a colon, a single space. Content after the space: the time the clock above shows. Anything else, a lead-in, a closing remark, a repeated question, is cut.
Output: 8:51
